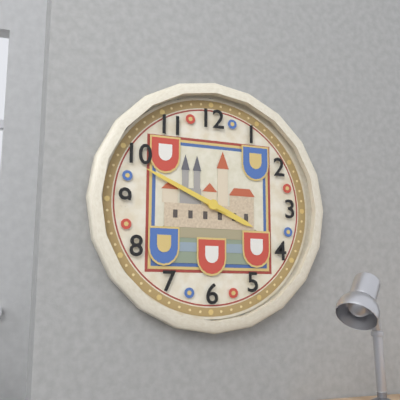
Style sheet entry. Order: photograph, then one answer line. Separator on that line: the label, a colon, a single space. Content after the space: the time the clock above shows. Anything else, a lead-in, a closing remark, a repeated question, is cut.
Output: 3:49
